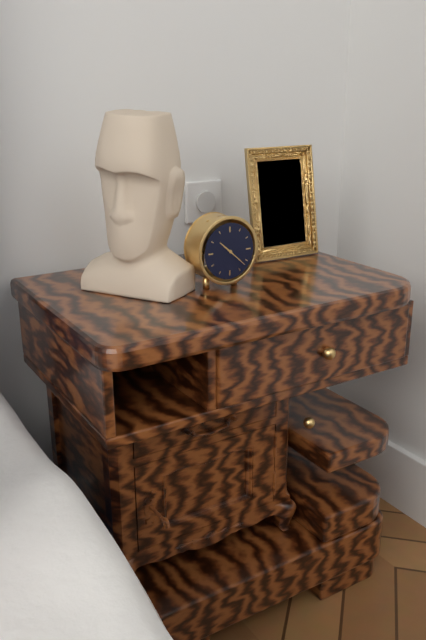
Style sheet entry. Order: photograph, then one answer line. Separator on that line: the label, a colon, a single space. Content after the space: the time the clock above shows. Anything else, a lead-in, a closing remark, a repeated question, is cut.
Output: 10:22
